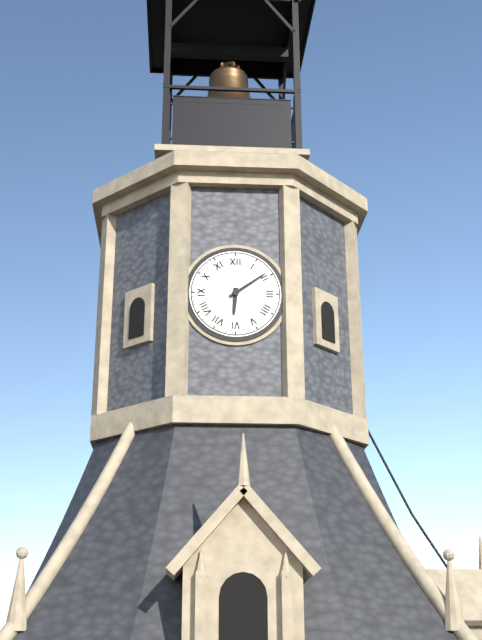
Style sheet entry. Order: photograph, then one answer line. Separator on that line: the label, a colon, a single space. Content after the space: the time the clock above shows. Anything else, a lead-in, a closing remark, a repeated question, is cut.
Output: 6:09
